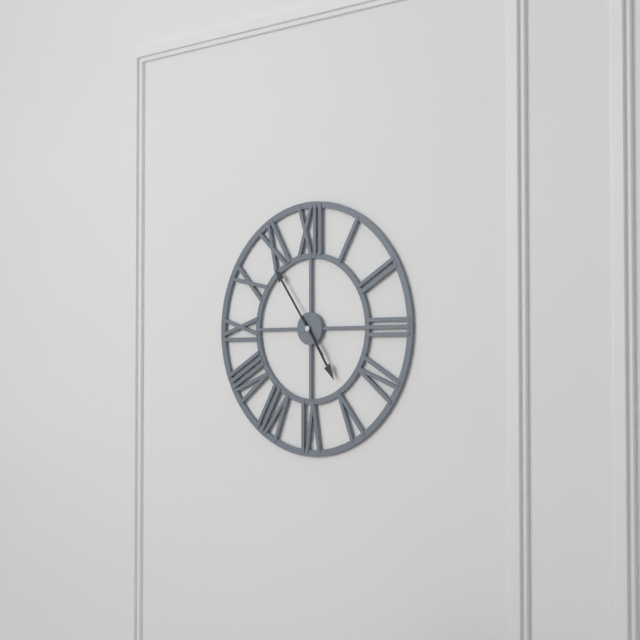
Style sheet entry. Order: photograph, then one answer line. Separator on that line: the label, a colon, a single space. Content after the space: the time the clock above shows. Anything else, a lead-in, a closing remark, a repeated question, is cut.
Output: 4:54
